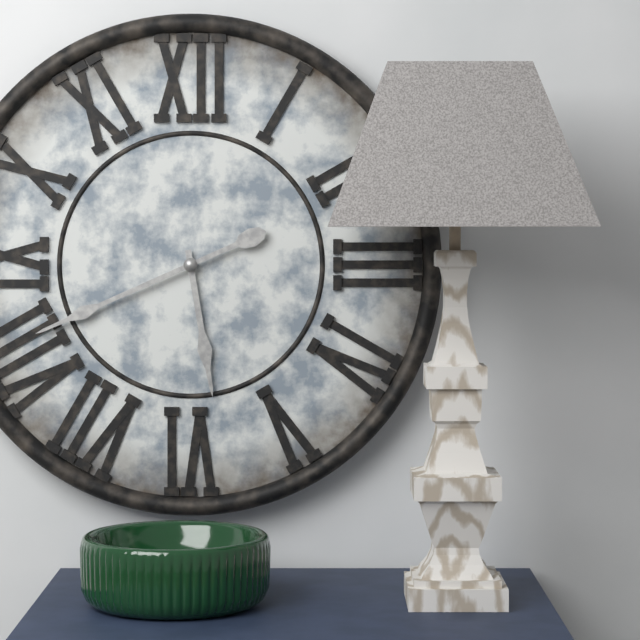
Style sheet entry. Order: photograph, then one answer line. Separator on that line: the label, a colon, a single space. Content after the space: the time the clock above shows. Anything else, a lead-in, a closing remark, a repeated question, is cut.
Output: 5:41
